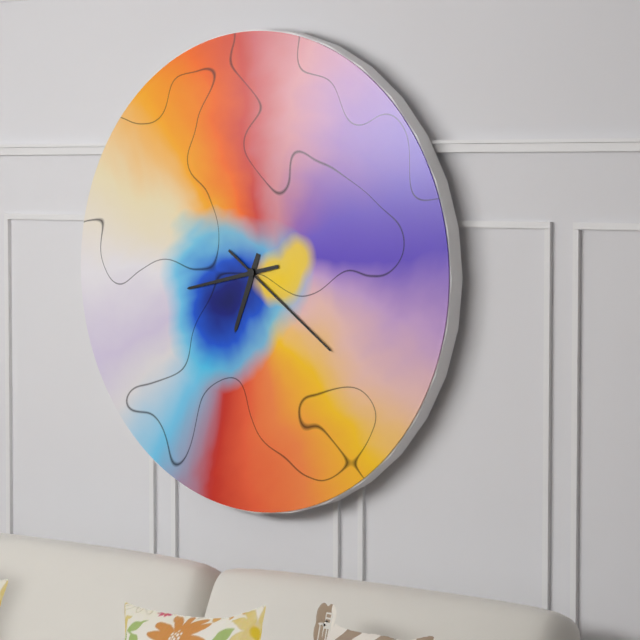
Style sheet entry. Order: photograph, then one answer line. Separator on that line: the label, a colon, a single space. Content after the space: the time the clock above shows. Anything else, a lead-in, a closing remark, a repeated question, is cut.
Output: 6:43:21
